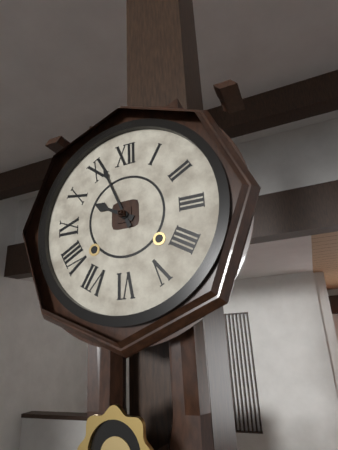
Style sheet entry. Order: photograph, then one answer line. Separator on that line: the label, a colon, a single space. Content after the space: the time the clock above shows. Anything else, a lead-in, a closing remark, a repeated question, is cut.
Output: 9:56
